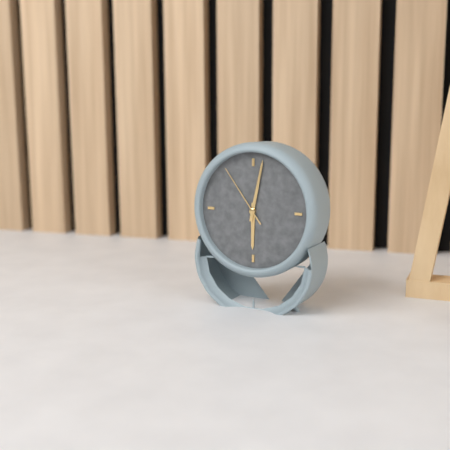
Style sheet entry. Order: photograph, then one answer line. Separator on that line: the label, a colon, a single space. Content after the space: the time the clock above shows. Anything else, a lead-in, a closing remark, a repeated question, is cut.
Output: 6:02:54
